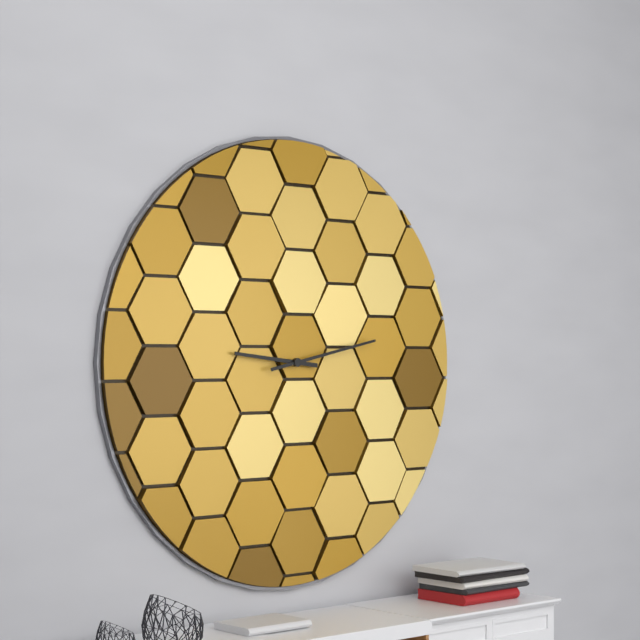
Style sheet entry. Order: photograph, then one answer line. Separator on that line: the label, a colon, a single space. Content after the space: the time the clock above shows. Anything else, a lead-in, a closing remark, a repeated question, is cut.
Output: 9:13
